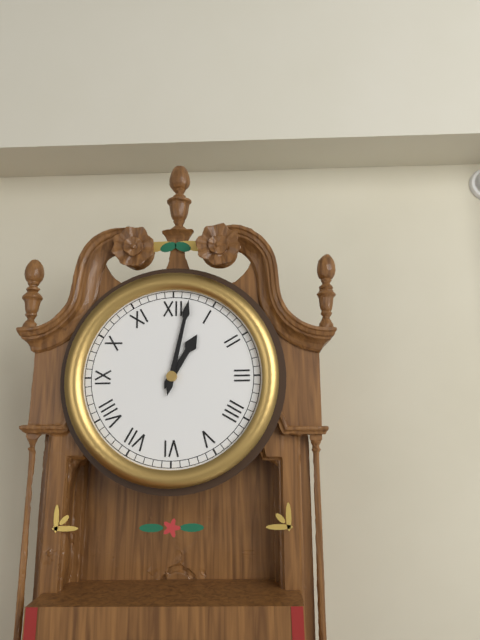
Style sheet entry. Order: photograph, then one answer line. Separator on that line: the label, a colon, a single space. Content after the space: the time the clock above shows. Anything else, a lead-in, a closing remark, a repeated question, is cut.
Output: 1:02
